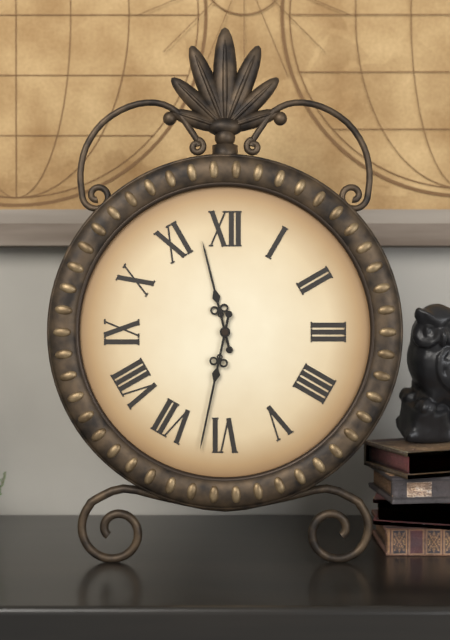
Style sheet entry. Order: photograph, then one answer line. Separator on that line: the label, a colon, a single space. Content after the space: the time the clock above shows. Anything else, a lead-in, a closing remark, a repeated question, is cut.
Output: 11:32
